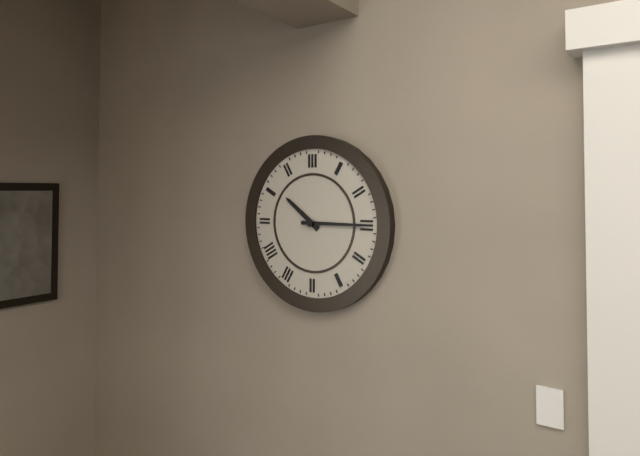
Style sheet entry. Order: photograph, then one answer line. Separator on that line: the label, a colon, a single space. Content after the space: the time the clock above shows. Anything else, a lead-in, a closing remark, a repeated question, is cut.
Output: 10:15
